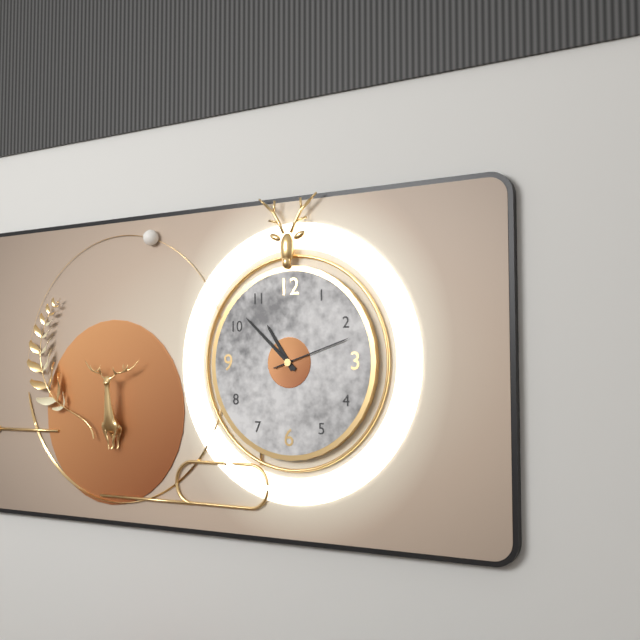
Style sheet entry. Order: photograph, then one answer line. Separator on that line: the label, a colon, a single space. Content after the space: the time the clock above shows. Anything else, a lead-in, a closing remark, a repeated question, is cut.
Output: 10:52:12
